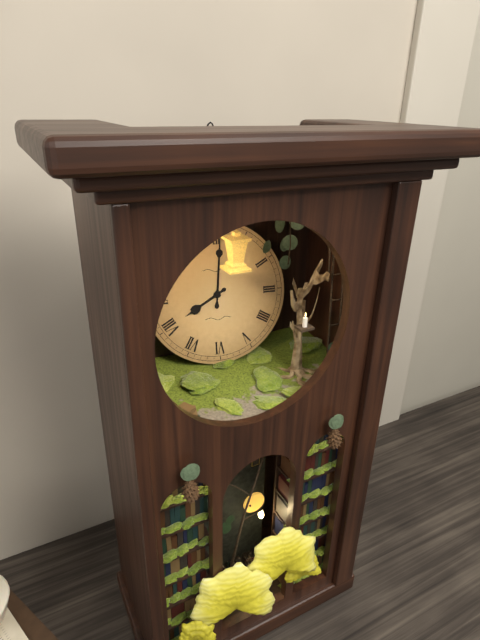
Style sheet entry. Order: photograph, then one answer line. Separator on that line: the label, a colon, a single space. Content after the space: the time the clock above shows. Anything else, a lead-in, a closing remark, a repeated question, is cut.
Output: 8:01
